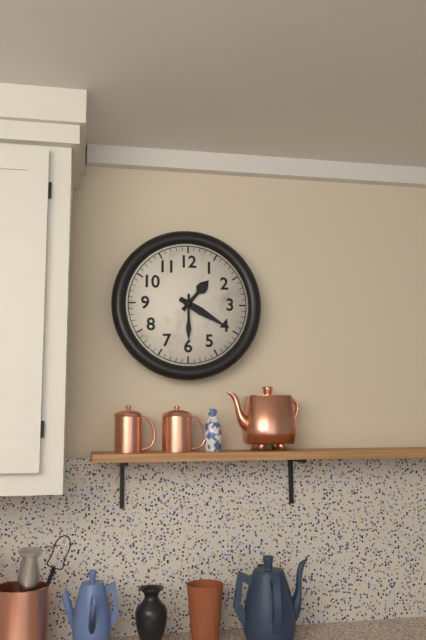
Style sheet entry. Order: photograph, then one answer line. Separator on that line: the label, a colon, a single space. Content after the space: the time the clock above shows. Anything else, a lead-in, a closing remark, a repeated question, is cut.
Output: 1:20
